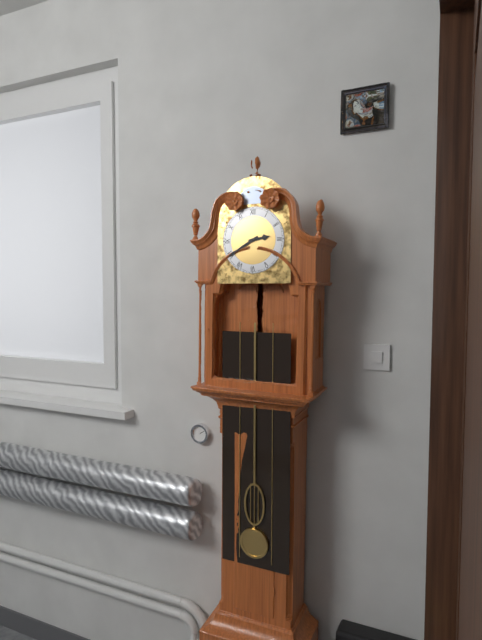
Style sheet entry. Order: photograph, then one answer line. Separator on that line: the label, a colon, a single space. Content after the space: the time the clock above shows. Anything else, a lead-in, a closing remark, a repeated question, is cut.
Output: 2:40
